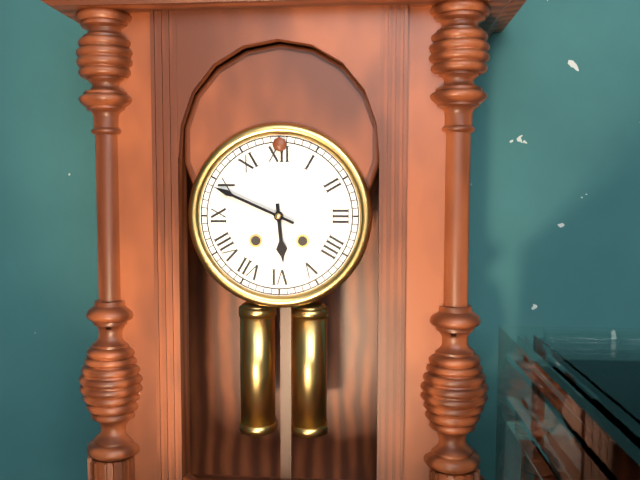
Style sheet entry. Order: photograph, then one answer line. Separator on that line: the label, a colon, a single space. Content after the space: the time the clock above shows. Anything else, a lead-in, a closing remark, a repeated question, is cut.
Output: 5:49
